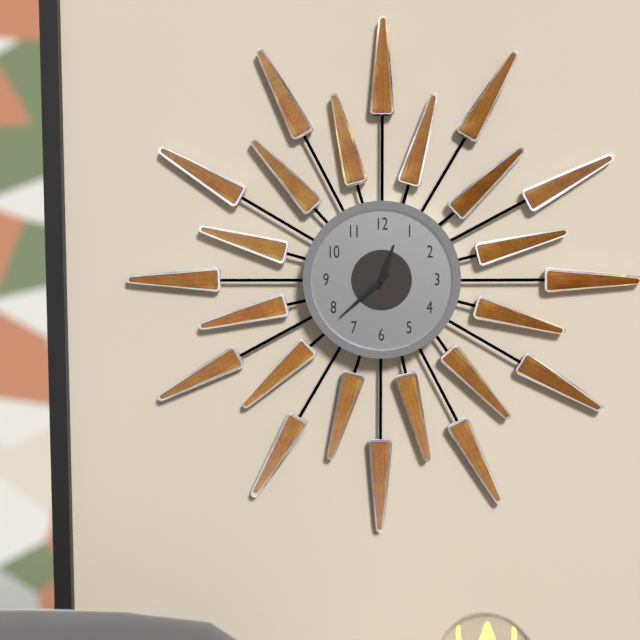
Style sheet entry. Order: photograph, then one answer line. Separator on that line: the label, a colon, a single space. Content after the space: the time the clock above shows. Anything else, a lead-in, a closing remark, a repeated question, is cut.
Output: 12:38
